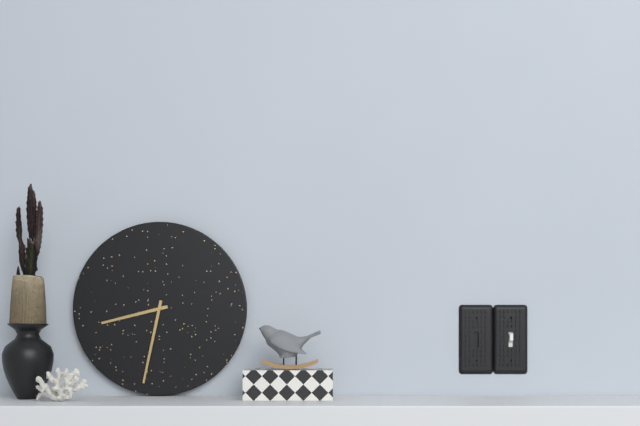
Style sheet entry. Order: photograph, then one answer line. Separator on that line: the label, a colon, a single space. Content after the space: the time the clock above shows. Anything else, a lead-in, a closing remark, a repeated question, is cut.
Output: 8:32
